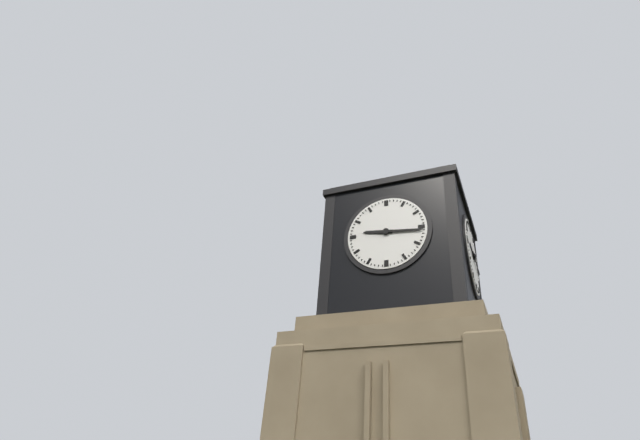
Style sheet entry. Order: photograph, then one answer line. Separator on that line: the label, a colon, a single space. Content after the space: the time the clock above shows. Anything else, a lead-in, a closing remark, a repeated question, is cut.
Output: 9:16
